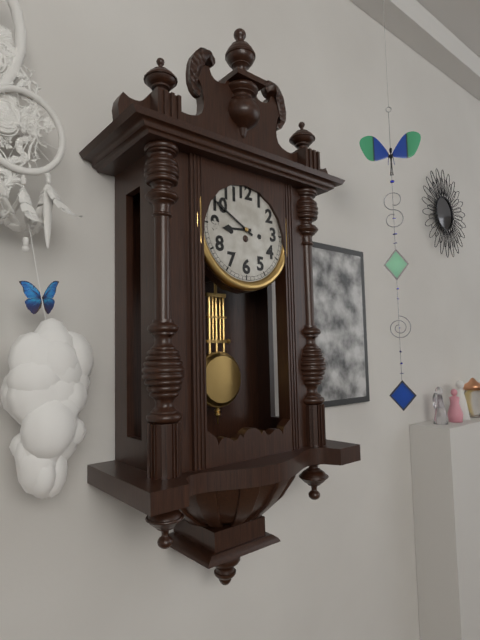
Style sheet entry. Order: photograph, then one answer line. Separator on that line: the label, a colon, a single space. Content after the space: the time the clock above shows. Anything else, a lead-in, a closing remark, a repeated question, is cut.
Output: 8:50
